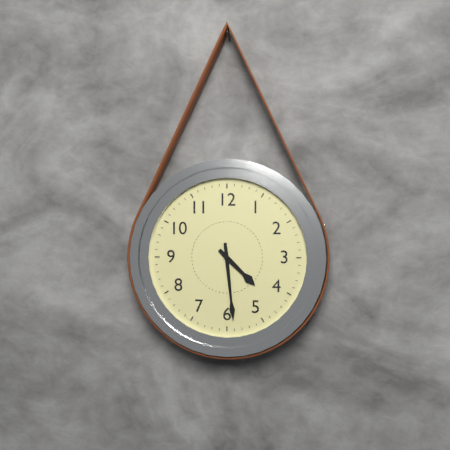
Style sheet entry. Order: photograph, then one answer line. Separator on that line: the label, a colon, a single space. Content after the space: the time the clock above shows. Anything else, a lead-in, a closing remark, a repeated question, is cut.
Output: 4:29
